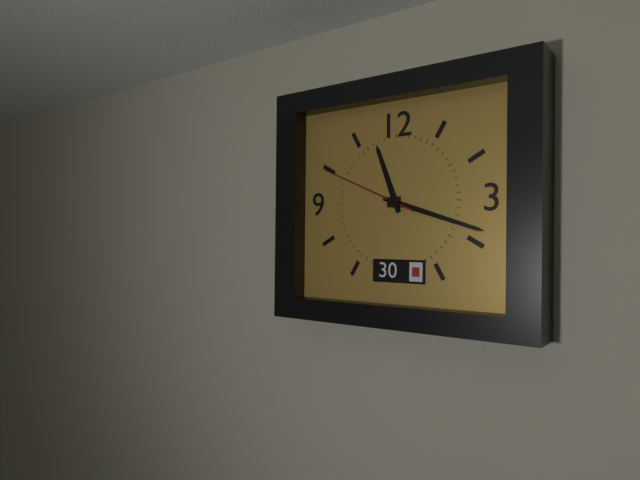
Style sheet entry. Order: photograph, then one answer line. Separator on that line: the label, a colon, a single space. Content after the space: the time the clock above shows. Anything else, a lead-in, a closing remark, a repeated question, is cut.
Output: 11:18:49
